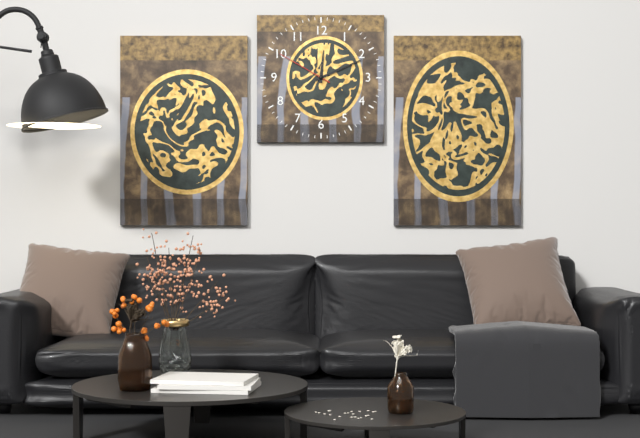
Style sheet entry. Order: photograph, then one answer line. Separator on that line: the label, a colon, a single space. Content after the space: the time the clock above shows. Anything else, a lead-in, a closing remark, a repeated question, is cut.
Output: 12:11:50
